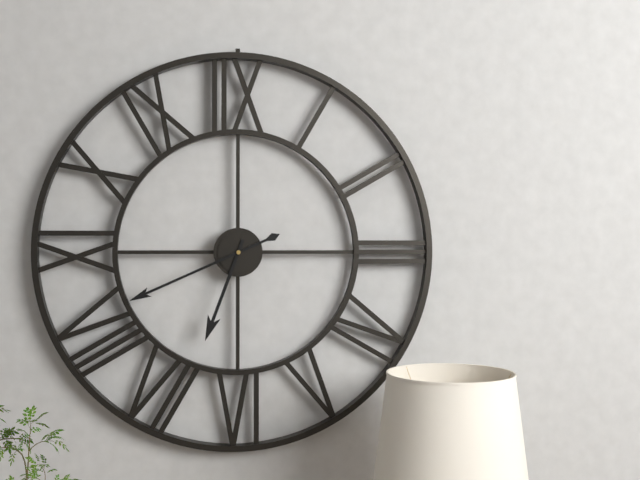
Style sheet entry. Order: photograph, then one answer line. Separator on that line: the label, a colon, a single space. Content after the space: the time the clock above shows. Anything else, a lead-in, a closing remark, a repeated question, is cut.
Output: 6:41
